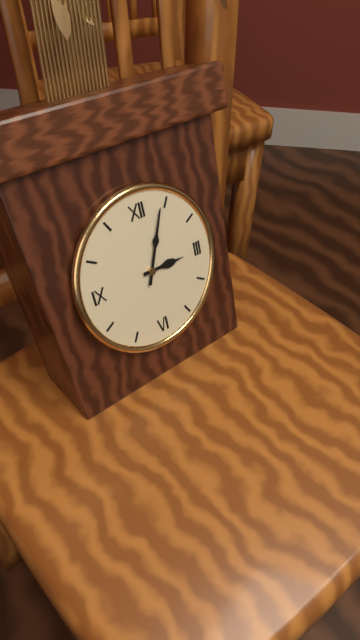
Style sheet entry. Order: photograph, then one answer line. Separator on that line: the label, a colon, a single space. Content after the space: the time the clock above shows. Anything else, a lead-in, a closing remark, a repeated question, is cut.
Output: 3:04
